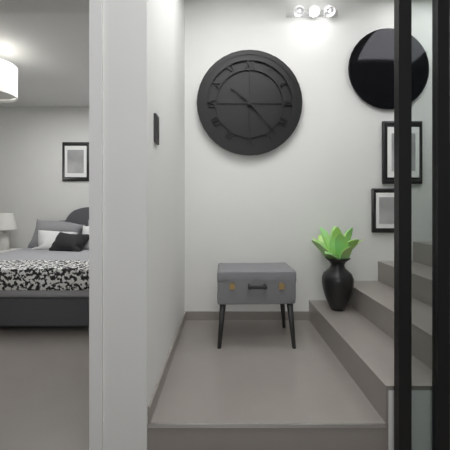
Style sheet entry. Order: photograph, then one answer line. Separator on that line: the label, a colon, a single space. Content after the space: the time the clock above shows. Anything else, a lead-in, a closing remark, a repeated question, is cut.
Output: 10:23
